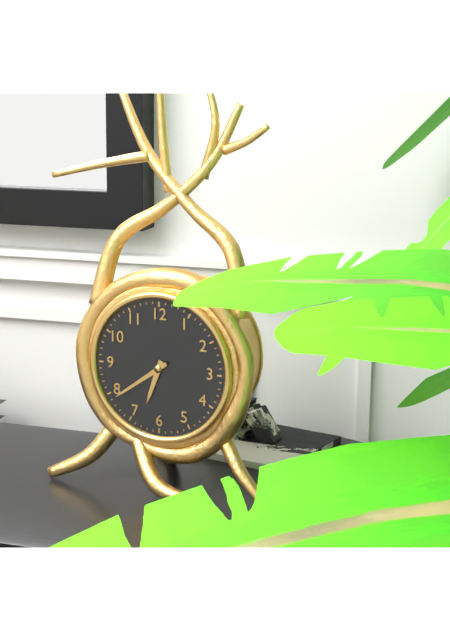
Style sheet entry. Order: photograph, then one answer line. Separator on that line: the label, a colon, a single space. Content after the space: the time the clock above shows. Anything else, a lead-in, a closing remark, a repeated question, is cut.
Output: 6:39
